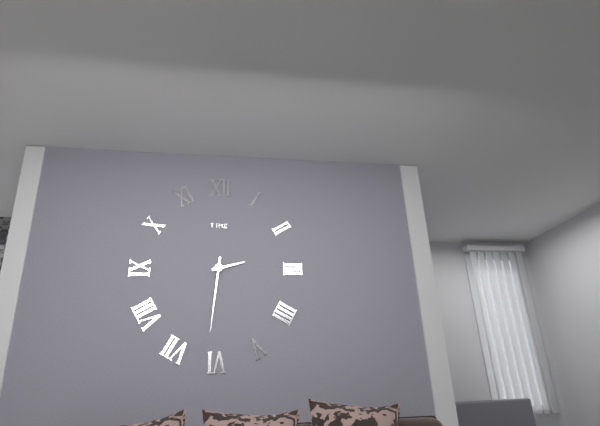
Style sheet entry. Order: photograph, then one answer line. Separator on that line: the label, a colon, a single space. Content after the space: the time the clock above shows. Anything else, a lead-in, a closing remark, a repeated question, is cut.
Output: 2:31
